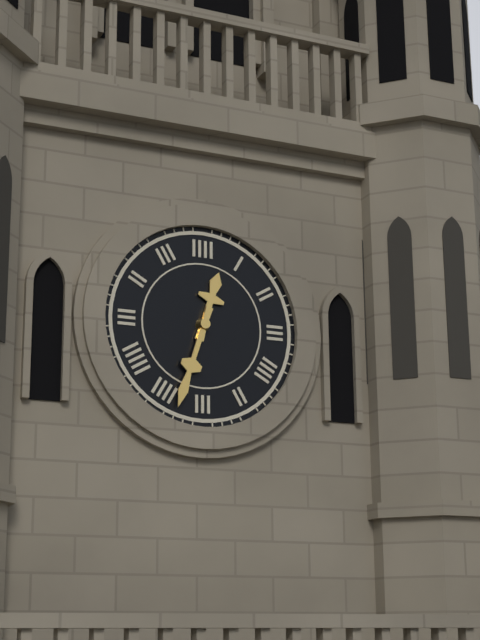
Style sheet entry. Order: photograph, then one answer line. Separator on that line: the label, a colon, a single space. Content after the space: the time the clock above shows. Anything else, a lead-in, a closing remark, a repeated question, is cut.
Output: 12:33
